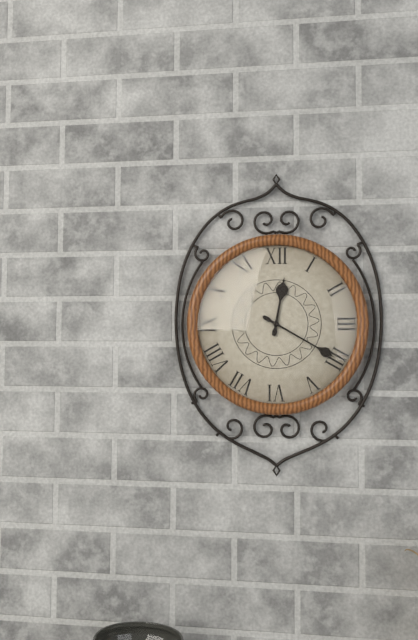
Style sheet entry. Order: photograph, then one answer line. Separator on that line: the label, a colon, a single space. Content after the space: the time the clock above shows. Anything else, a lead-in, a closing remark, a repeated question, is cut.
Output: 12:20
